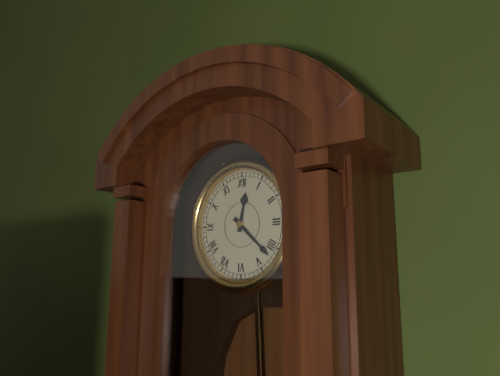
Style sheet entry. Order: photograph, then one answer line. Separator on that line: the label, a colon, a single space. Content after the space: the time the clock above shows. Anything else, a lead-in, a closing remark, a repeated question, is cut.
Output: 12:22
